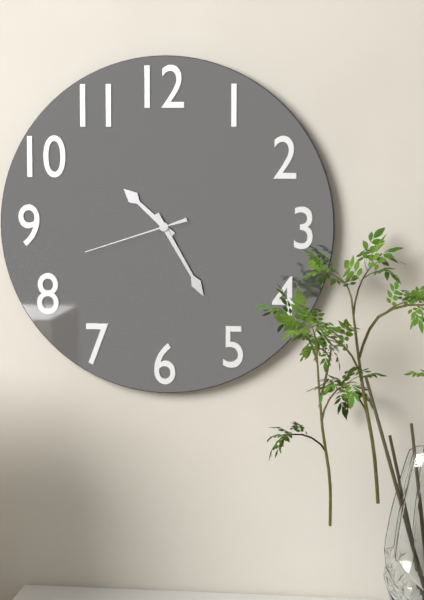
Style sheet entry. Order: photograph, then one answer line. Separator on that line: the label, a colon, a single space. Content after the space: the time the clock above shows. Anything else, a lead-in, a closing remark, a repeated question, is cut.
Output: 10:25:42
